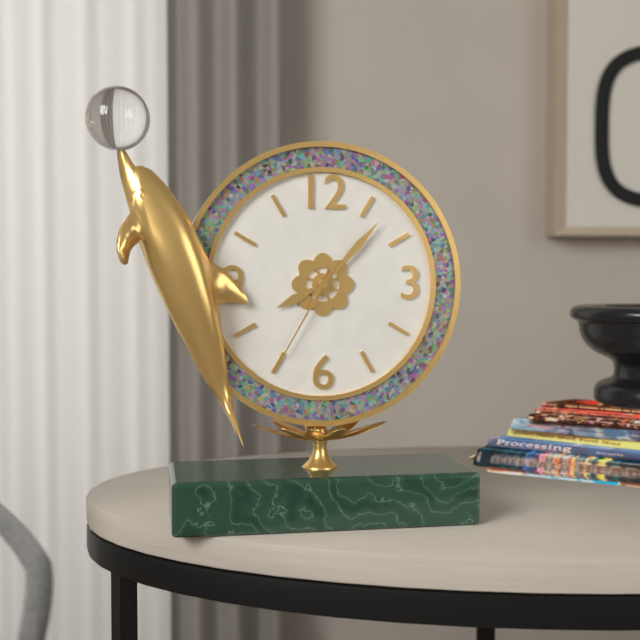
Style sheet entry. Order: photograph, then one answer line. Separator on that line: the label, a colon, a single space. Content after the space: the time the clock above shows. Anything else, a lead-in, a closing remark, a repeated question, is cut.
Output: 8:07:35
